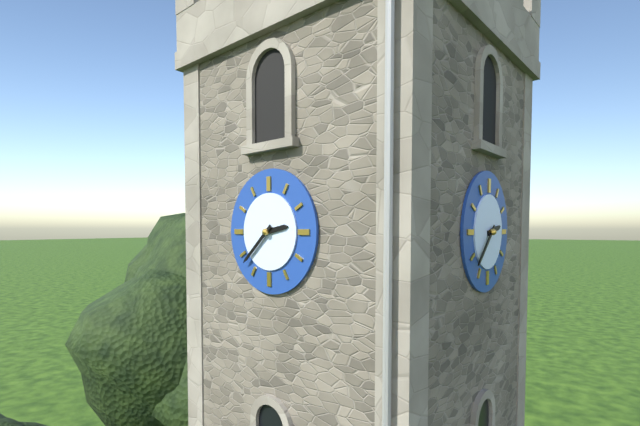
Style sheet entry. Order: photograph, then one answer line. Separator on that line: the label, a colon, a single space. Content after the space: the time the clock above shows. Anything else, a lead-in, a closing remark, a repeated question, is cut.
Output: 2:38
